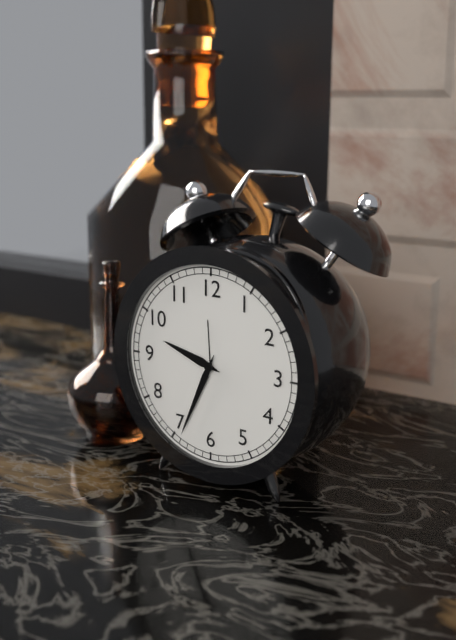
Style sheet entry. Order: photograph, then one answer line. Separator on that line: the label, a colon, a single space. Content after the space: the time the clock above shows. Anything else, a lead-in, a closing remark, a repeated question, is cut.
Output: 9:34
